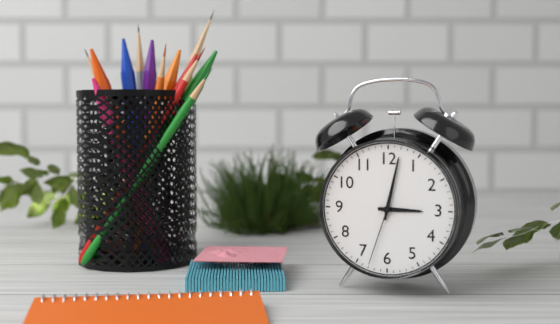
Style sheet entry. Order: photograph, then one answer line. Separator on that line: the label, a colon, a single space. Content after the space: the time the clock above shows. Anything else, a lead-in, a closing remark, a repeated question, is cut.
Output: 3:02:33
